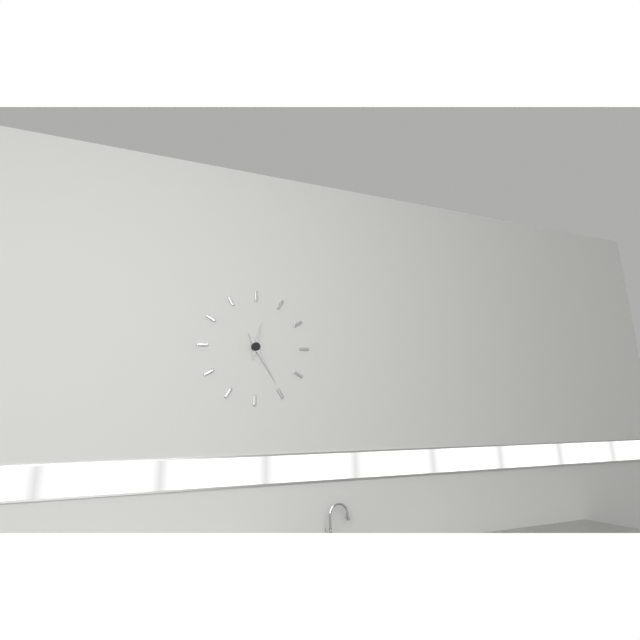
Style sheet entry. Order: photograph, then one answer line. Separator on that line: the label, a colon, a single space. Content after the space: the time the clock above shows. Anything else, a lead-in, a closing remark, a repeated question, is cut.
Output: 12:25
